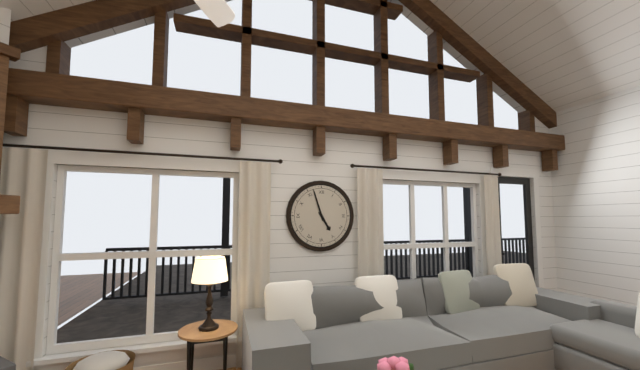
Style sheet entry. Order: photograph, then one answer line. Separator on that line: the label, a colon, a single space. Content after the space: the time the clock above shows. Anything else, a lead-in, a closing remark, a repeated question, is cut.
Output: 4:57
